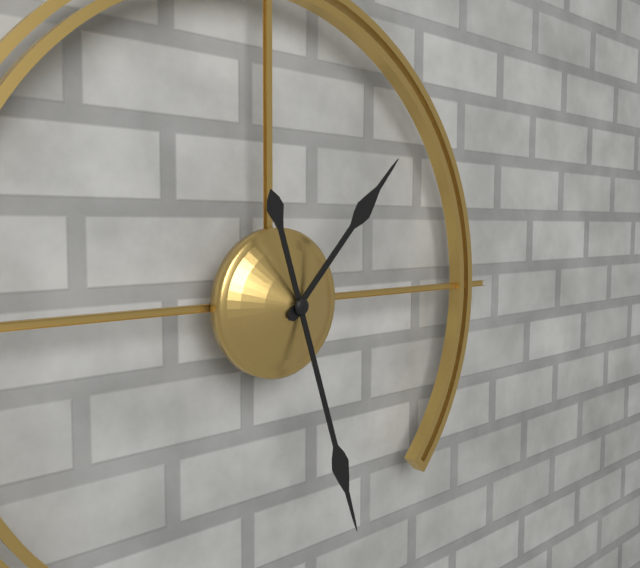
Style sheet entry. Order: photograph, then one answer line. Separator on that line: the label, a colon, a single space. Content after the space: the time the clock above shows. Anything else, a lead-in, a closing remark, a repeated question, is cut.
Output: 1:27
